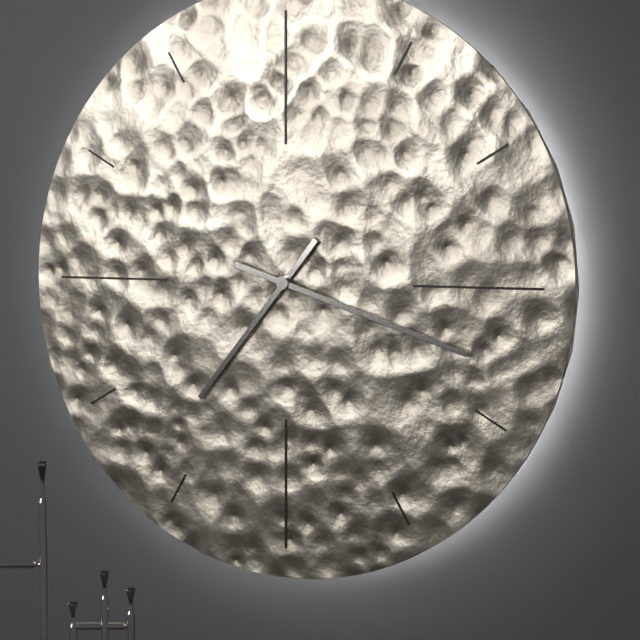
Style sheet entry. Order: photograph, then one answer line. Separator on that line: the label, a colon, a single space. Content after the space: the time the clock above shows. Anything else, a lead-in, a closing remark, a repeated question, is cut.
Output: 7:18
